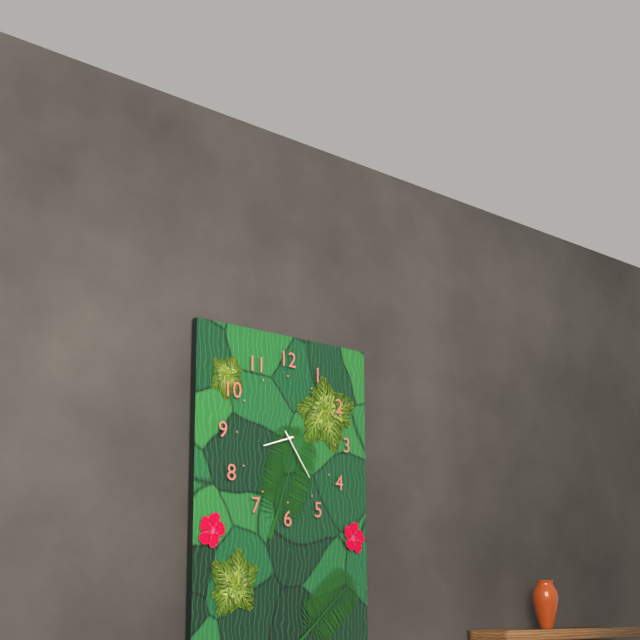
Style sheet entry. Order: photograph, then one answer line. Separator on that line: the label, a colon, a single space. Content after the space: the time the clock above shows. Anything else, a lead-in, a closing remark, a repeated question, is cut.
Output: 8:24
